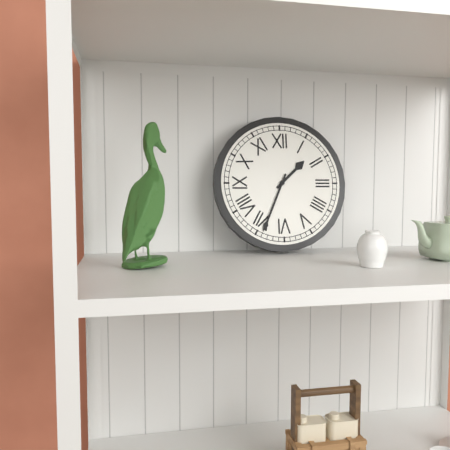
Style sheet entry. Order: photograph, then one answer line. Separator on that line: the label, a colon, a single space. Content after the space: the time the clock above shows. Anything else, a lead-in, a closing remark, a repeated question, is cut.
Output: 1:34
